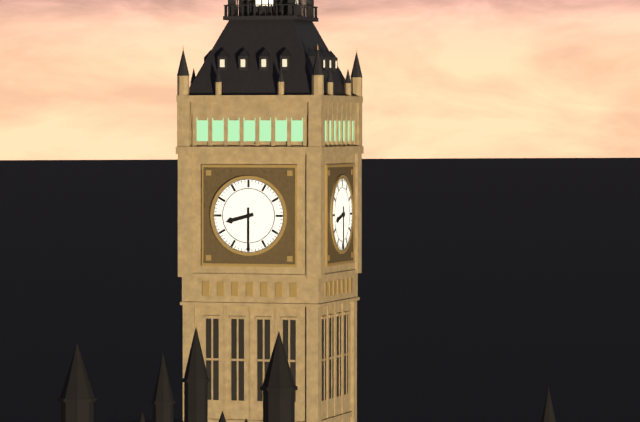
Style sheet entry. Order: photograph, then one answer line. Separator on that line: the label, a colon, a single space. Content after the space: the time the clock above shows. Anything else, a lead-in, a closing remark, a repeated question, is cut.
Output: 8:30
